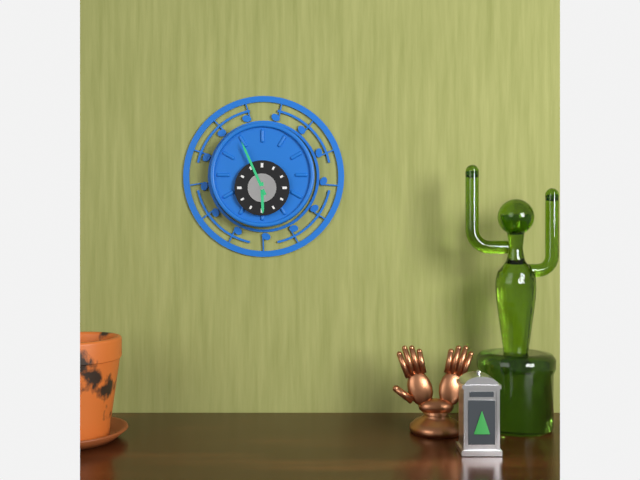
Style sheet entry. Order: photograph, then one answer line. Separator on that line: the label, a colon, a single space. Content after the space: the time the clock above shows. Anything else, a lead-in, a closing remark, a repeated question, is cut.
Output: 5:56
